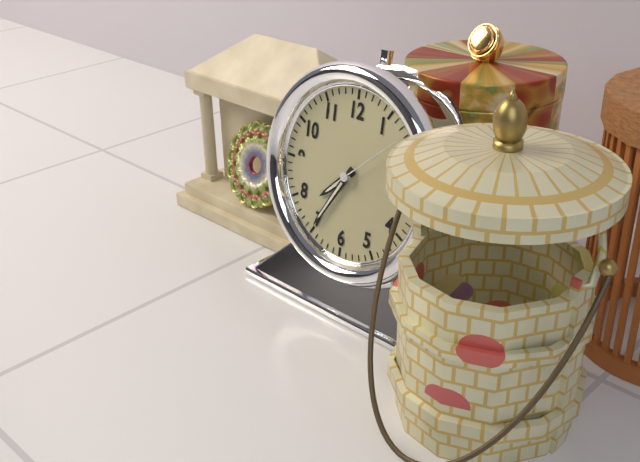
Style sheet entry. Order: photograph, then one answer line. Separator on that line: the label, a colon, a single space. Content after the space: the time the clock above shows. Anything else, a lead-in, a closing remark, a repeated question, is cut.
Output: 7:35:08
